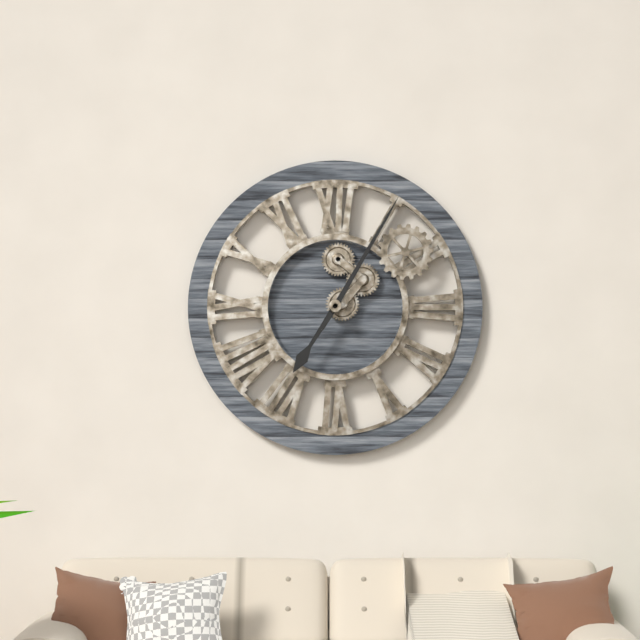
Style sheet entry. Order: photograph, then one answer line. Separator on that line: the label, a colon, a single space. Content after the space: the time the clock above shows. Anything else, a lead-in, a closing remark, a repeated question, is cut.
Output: 7:05
